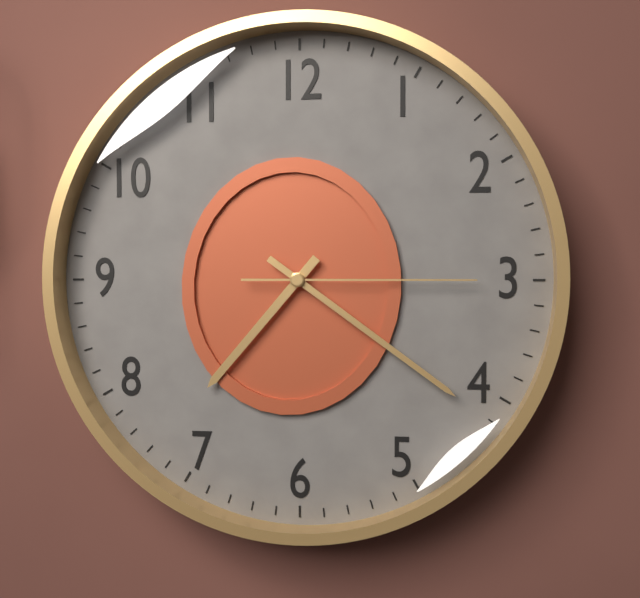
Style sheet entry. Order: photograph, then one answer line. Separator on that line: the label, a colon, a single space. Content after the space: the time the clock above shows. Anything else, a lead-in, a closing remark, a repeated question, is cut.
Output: 7:21:15
